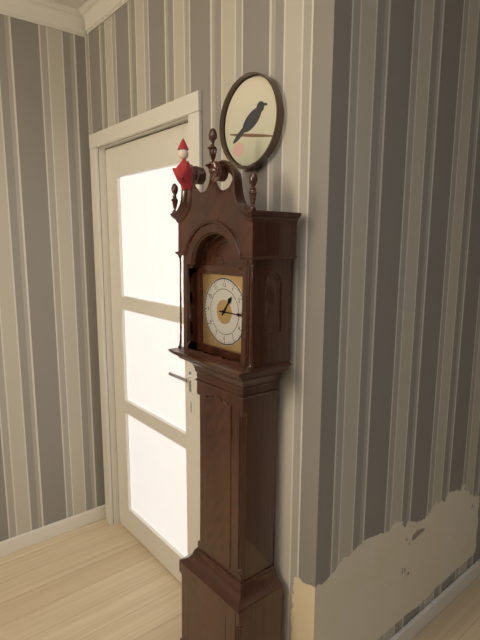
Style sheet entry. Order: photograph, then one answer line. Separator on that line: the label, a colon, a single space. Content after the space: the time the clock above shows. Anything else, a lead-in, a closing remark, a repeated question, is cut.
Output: 1:15
